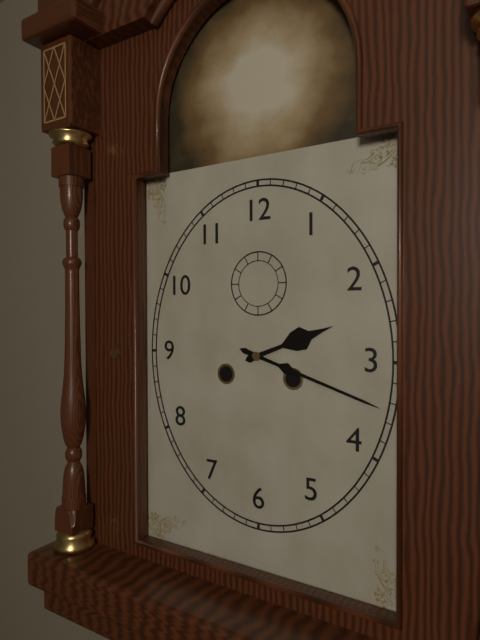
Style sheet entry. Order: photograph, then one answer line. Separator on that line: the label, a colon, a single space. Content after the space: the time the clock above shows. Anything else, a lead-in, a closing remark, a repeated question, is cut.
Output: 2:18
